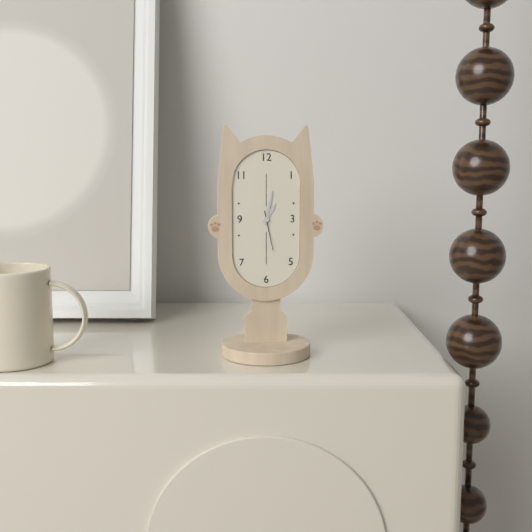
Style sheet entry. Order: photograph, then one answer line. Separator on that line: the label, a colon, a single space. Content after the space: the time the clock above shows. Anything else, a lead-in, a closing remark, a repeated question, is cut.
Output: 1:02
